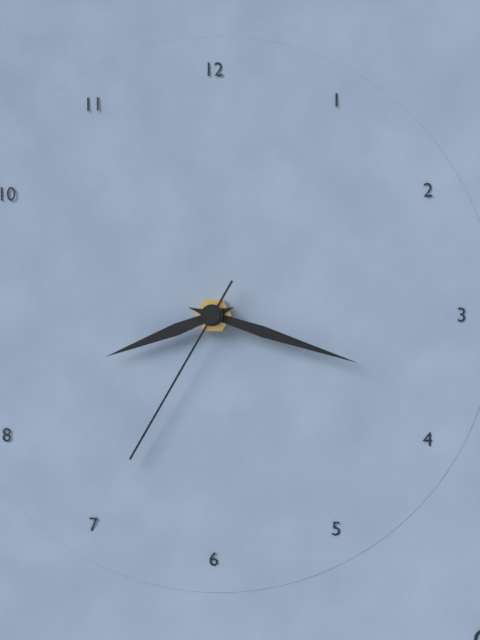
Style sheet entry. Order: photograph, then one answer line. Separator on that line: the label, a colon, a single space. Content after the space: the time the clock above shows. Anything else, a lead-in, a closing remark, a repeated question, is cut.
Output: 8:18:35
